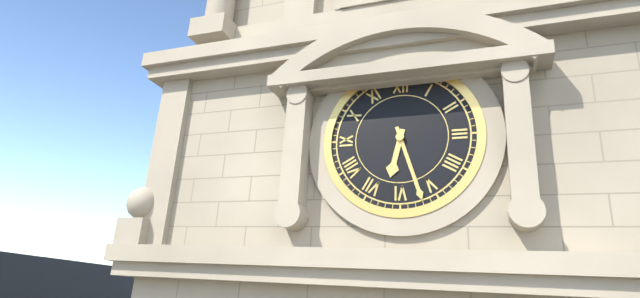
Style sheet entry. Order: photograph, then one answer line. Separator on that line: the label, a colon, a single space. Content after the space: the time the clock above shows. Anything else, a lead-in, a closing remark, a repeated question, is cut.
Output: 6:27
